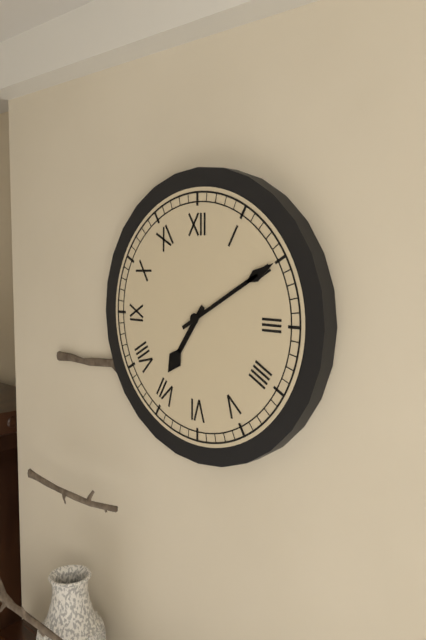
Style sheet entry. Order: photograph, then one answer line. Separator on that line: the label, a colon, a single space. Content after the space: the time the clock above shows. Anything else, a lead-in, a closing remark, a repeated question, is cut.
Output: 7:10
